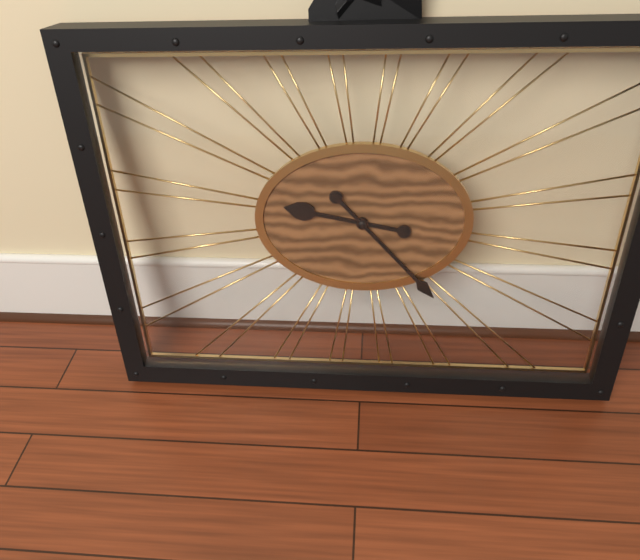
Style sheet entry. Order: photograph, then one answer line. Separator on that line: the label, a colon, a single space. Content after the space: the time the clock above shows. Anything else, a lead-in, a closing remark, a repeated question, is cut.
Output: 9:23
